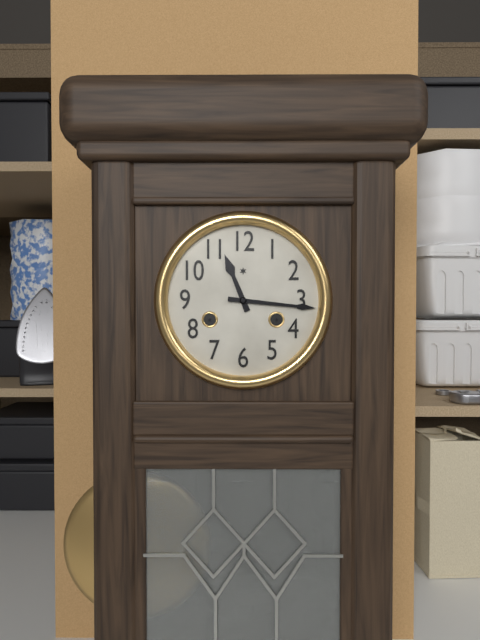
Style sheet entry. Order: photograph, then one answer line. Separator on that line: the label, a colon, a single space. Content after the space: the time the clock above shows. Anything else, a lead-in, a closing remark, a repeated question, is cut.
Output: 11:16
